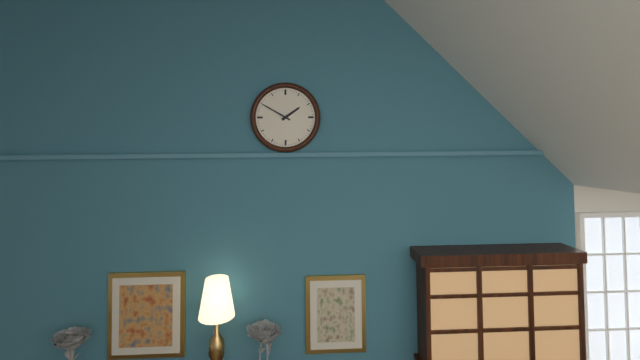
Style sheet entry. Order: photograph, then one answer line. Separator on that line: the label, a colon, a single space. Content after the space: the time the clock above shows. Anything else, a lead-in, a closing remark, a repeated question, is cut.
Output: 1:50
